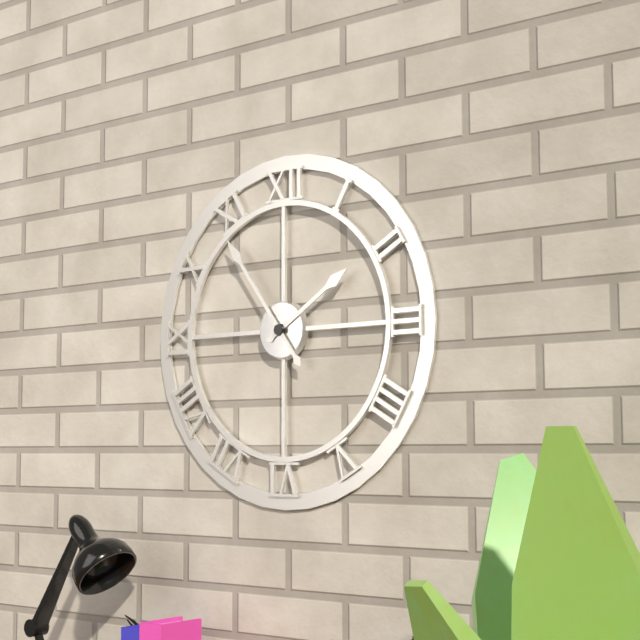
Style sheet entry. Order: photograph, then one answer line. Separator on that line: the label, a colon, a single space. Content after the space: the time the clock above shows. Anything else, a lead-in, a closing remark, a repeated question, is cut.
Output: 1:54
